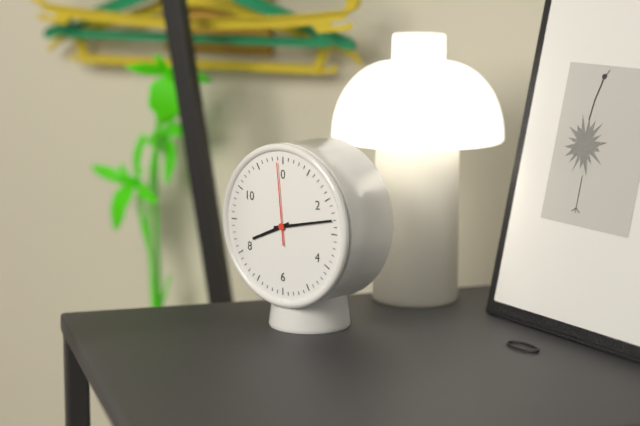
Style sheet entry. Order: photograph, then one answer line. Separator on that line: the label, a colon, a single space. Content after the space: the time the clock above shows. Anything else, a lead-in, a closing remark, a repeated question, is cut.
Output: 8:13:59
